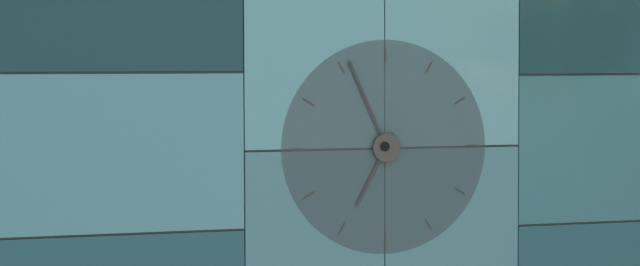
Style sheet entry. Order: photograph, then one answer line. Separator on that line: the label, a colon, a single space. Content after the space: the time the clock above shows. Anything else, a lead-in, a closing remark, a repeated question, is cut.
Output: 6:56
